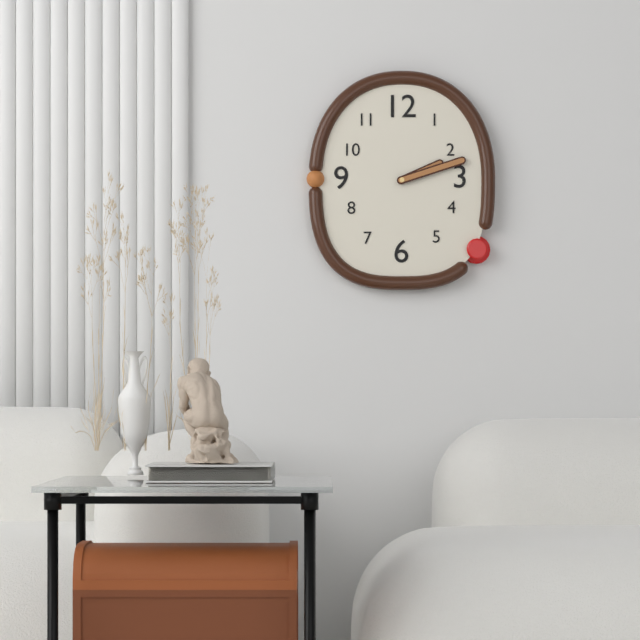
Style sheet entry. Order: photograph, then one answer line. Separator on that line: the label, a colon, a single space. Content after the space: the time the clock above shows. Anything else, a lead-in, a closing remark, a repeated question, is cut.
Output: 2:12
